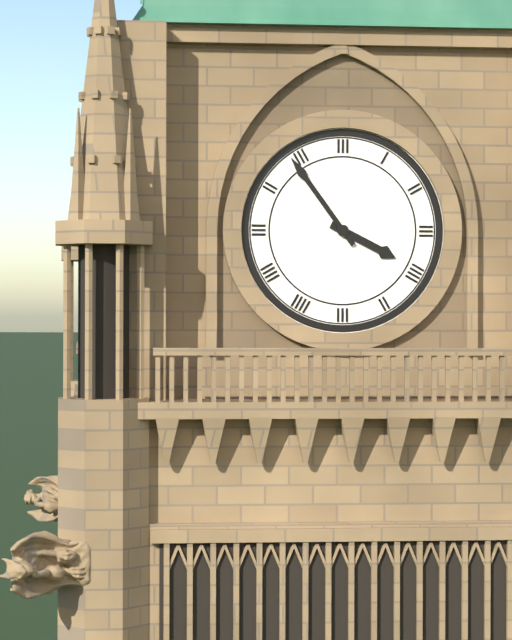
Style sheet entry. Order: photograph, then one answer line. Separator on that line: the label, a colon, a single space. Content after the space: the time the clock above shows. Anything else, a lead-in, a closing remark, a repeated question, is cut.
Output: 3:54
